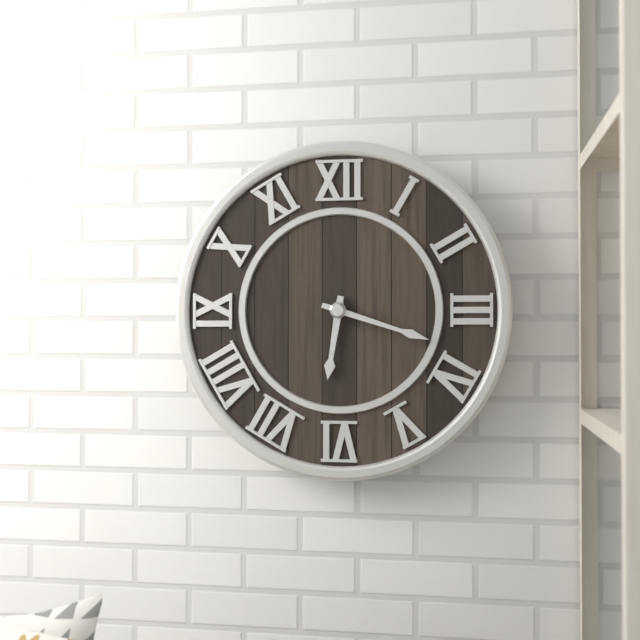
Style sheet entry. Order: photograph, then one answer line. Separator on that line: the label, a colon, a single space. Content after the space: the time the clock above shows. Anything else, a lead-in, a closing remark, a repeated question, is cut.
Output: 6:18
